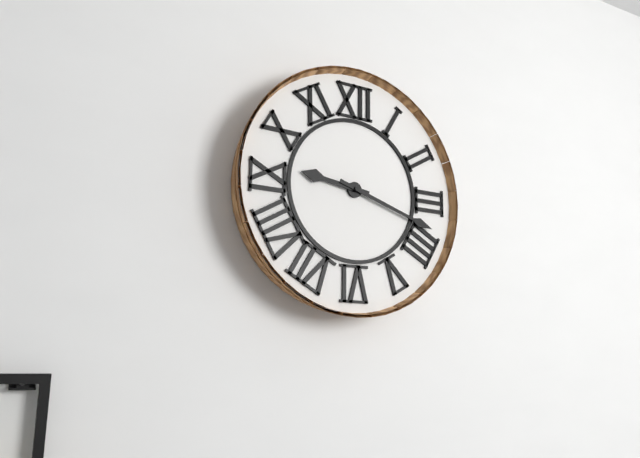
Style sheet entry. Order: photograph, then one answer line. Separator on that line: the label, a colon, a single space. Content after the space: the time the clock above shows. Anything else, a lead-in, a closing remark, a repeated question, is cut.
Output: 9:18
